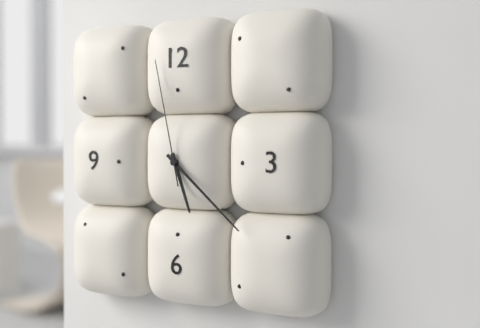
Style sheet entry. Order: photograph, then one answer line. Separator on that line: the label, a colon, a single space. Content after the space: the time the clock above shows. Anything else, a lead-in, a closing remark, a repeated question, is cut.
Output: 5:22:58
